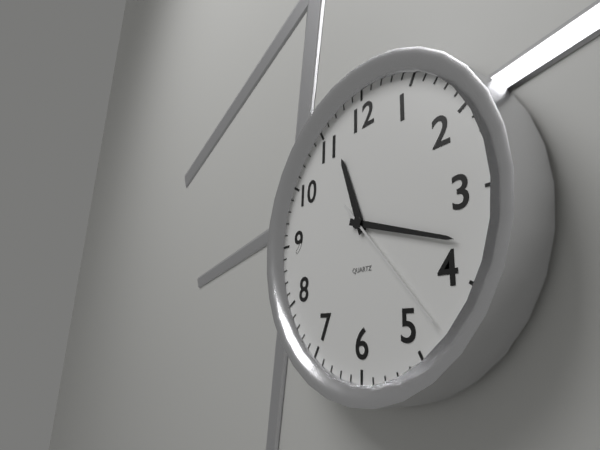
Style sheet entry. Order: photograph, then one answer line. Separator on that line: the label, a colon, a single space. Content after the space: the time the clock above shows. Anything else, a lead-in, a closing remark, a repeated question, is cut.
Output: 11:18:23
